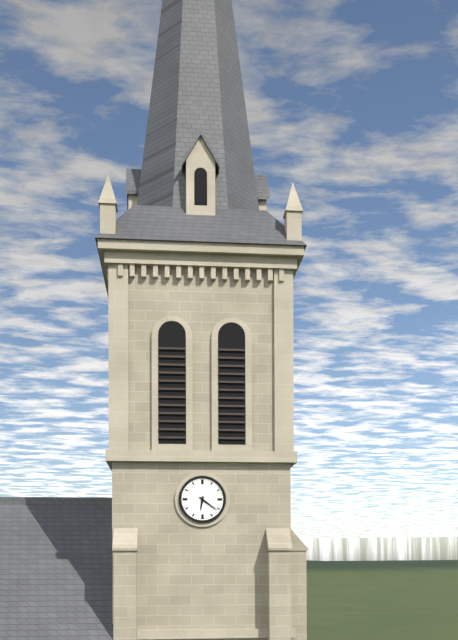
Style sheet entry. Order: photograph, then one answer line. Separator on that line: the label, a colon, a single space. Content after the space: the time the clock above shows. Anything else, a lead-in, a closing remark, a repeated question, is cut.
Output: 6:21
